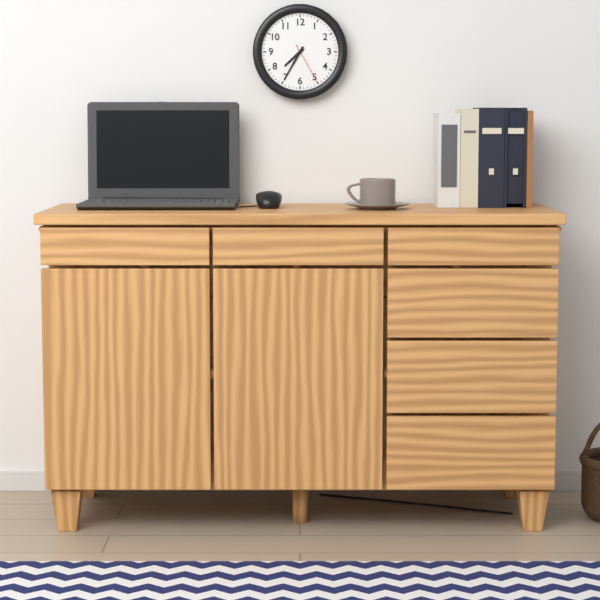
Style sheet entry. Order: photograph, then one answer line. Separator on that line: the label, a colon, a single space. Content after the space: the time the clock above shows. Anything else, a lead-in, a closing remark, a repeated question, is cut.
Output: 7:35
